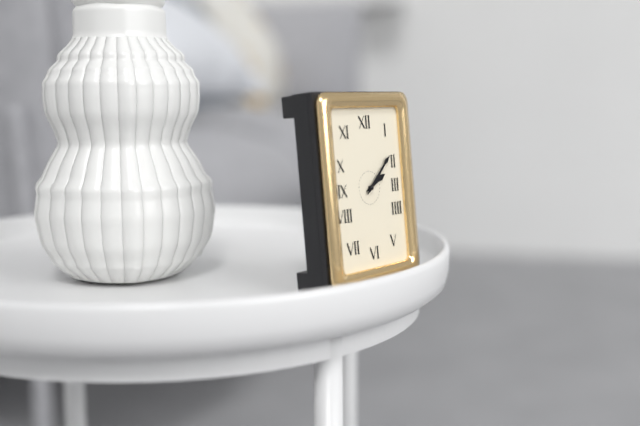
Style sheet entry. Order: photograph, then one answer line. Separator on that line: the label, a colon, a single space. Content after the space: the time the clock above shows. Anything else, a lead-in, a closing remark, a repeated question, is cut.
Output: 2:08
